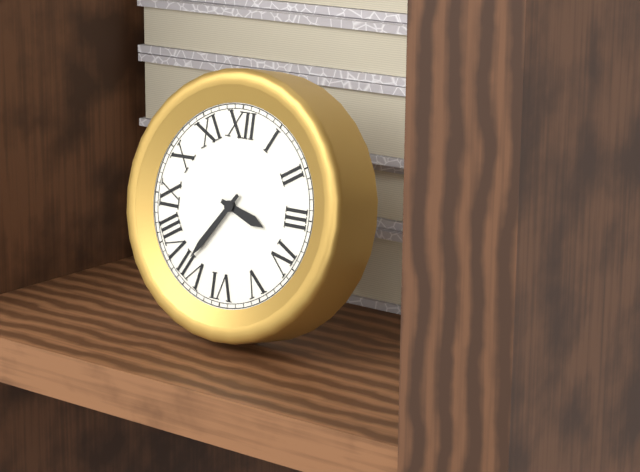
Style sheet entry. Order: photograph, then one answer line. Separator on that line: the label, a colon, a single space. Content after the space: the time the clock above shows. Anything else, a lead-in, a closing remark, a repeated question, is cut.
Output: 3:36
